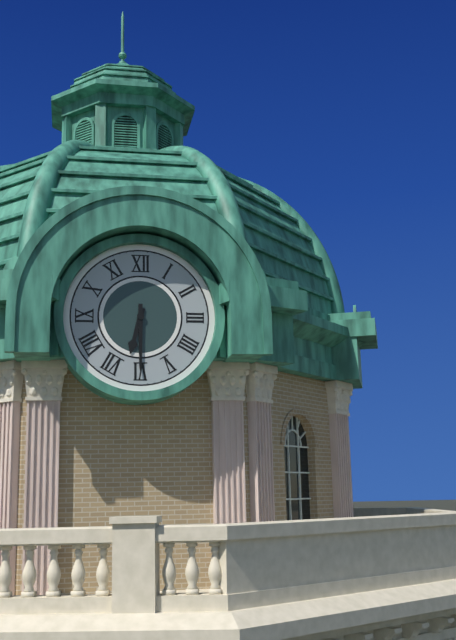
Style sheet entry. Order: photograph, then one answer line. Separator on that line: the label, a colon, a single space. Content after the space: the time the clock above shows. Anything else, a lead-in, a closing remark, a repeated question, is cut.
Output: 6:30
